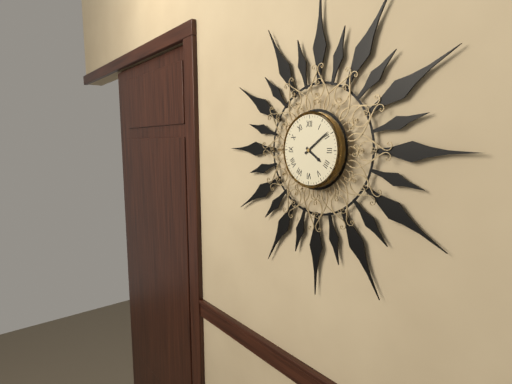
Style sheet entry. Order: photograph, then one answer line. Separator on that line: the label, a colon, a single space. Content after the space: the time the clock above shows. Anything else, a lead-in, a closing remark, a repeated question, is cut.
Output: 4:09
